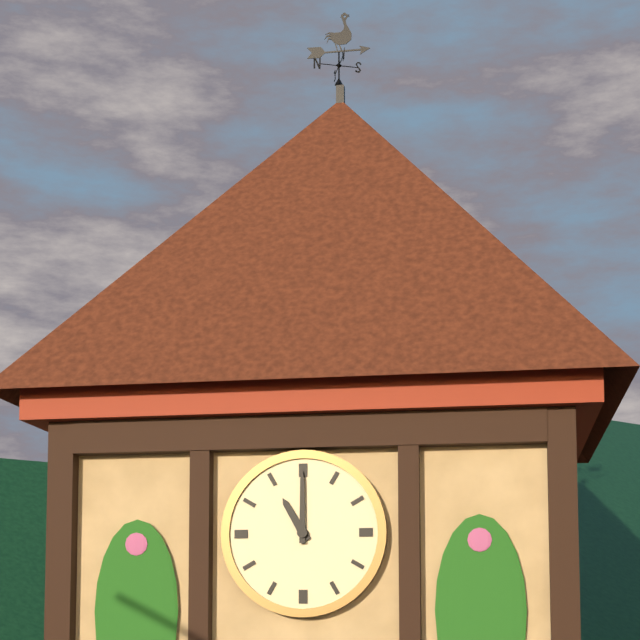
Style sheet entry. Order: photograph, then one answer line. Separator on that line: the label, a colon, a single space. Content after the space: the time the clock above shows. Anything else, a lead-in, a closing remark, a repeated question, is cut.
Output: 11:00
